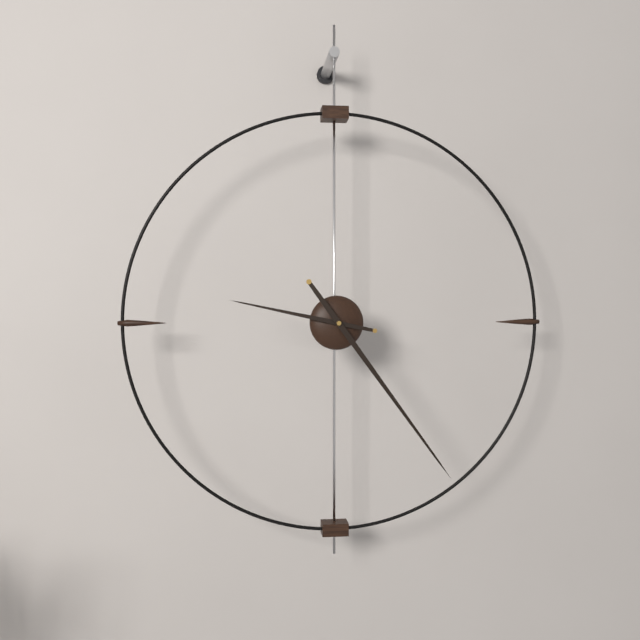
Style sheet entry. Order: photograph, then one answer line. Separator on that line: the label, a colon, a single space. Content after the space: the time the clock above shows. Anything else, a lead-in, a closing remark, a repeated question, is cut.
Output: 9:24
